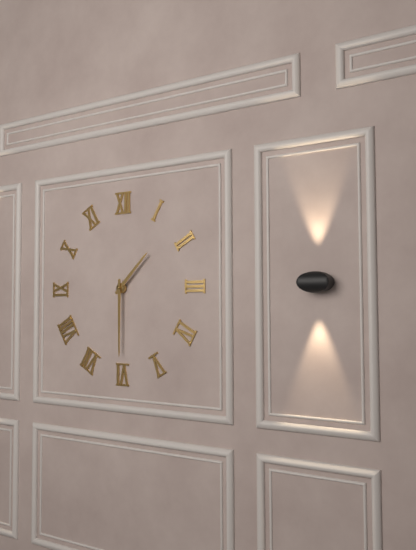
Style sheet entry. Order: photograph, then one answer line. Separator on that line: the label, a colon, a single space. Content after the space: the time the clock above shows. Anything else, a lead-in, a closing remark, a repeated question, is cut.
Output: 1:30
